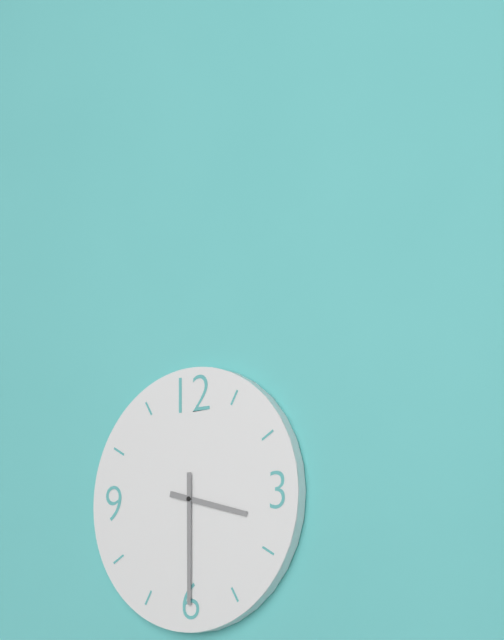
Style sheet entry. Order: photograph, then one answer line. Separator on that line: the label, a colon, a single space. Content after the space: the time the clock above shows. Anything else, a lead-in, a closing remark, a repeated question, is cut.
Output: 3:30
